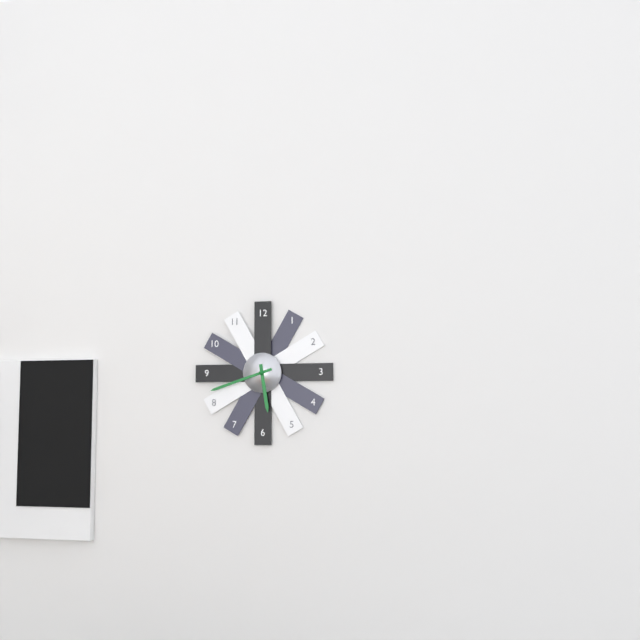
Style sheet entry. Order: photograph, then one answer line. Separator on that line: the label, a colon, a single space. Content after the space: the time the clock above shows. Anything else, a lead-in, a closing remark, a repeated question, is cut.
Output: 5:42
